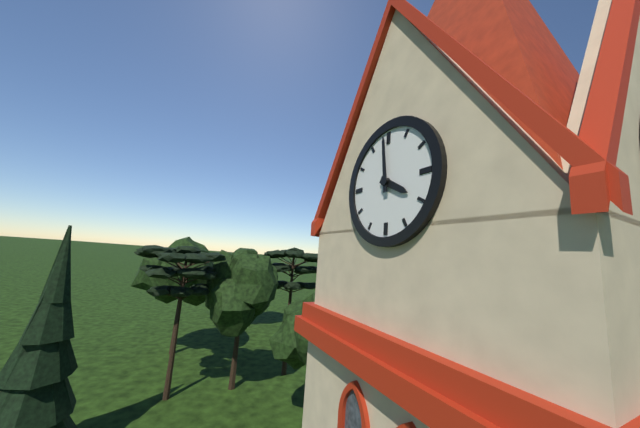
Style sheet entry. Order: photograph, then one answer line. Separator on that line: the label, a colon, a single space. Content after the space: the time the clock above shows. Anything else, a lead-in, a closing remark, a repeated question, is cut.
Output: 3:59
